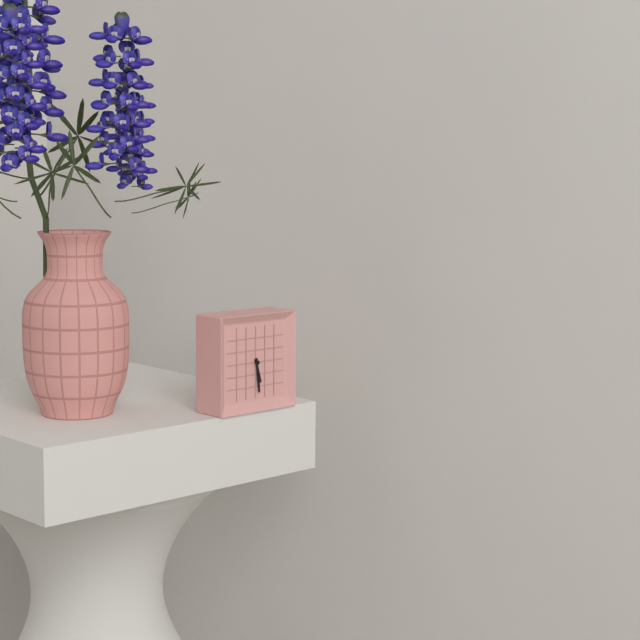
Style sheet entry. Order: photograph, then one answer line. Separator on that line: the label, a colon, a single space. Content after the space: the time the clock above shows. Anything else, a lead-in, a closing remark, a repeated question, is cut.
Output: 5:29
